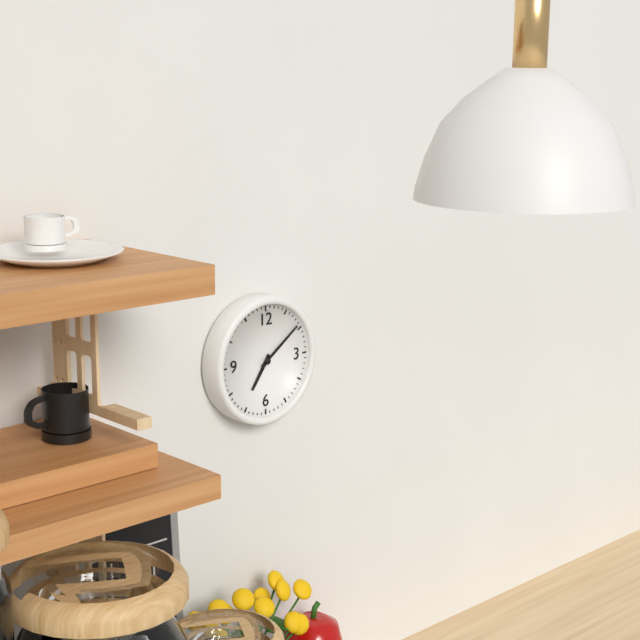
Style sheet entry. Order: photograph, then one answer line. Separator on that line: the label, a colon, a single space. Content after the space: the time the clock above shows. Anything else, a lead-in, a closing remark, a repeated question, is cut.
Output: 7:09
